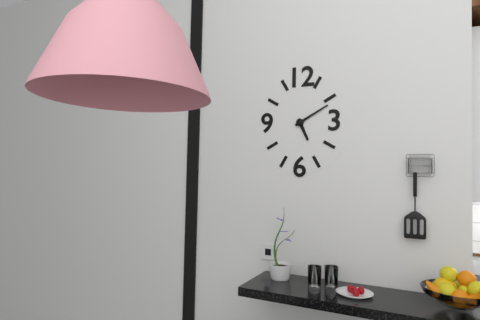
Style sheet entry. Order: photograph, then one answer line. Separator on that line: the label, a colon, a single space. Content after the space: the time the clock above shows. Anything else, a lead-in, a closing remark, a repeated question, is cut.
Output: 5:10
